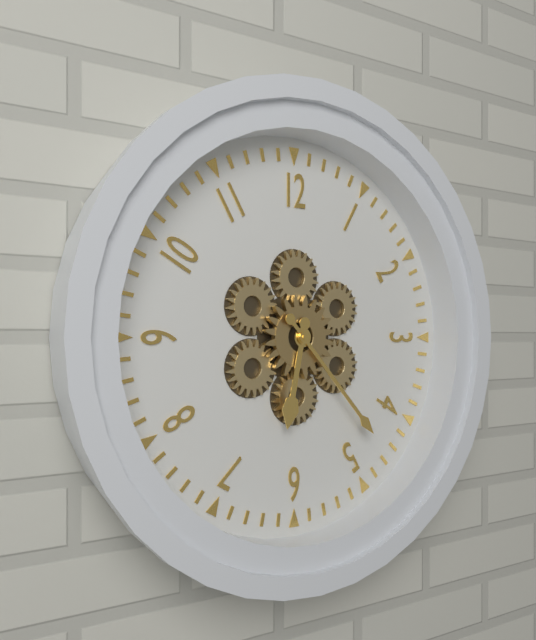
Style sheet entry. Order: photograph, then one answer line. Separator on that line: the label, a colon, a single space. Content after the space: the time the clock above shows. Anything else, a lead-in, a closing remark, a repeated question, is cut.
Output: 6:23
